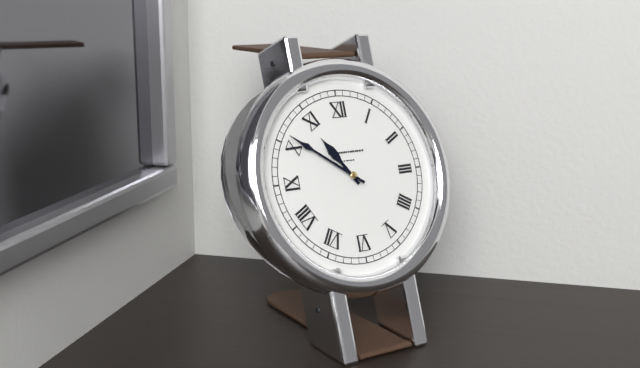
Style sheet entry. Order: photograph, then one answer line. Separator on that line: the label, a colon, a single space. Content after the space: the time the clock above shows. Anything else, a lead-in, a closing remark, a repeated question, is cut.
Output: 10:51
